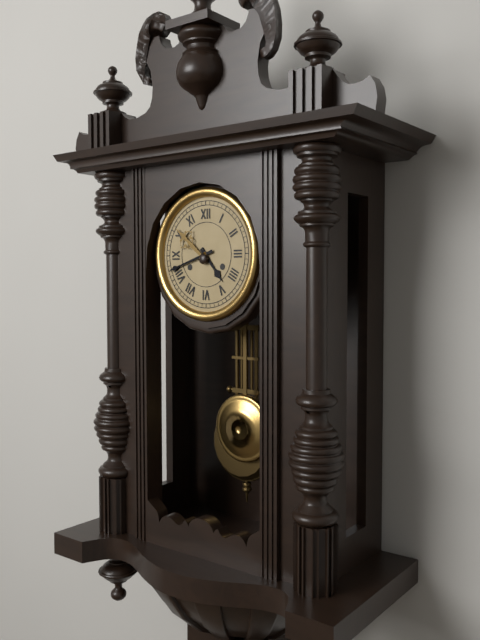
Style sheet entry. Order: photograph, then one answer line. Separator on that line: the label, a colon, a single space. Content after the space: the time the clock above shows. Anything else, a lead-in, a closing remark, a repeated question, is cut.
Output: 4:42
